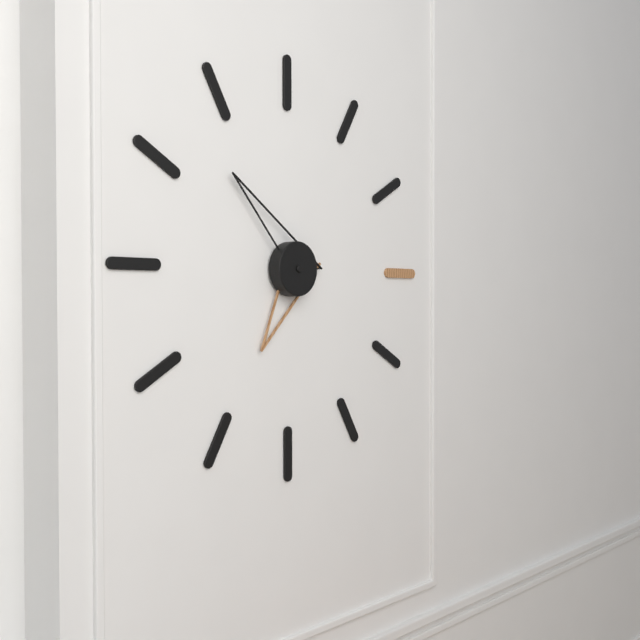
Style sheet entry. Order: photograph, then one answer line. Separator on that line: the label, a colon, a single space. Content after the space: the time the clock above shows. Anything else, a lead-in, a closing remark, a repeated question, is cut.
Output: 6:53
